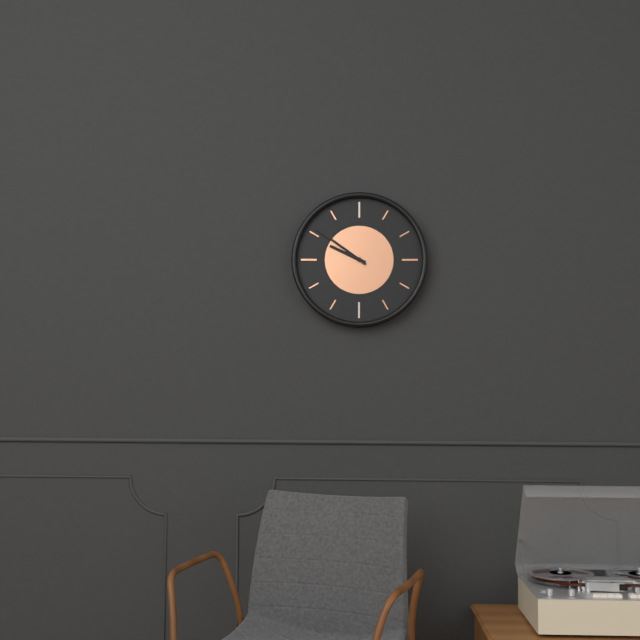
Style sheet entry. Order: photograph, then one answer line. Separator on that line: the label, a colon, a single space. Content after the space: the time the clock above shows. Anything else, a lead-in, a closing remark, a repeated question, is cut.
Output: 9:51
